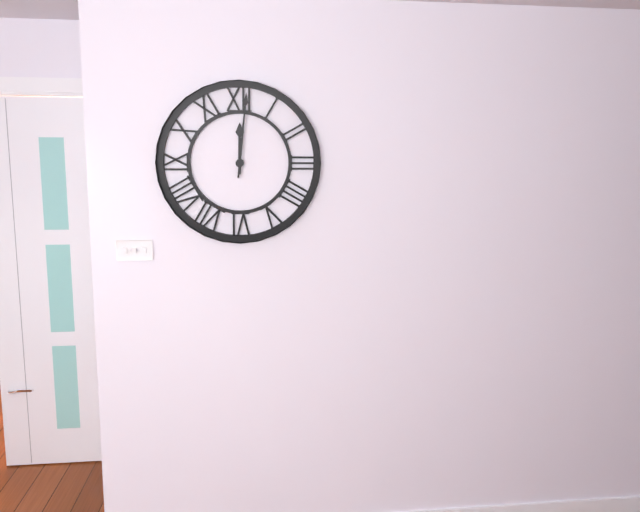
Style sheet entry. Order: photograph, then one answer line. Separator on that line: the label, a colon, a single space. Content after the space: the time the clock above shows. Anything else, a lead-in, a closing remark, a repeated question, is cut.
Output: 12:01
